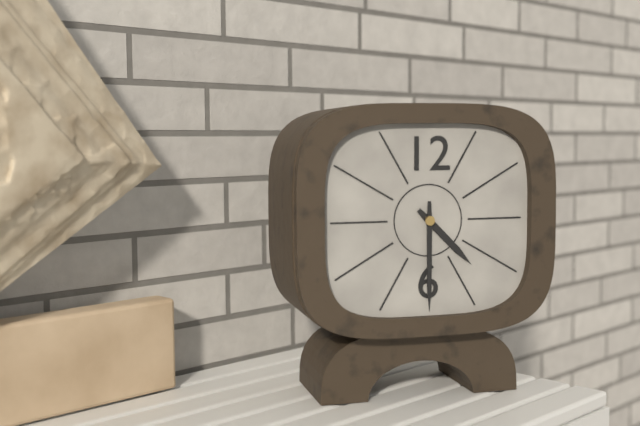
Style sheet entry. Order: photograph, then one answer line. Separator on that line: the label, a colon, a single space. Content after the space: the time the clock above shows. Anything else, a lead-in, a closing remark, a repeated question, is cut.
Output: 4:30
